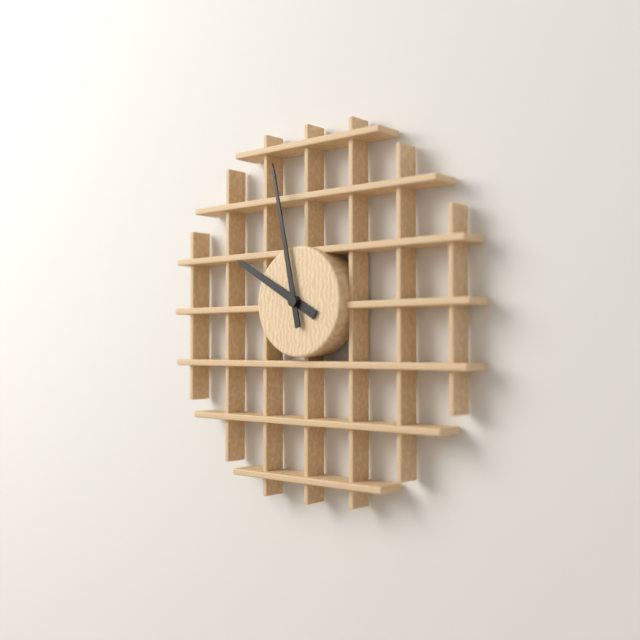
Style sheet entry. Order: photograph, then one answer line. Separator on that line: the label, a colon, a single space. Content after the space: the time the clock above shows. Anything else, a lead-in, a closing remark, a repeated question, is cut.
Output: 9:58
